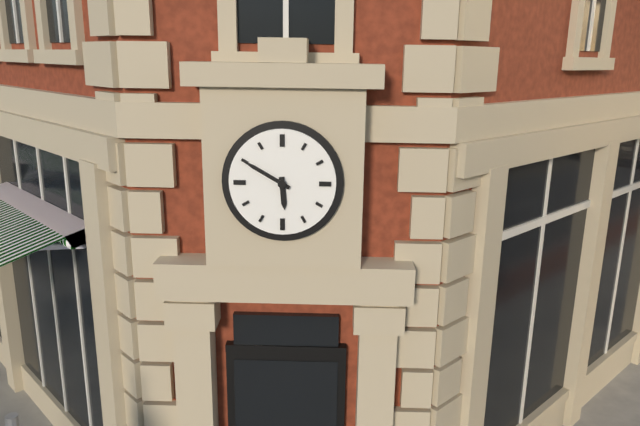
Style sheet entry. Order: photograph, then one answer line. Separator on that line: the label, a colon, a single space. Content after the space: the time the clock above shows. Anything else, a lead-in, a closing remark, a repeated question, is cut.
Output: 5:50
